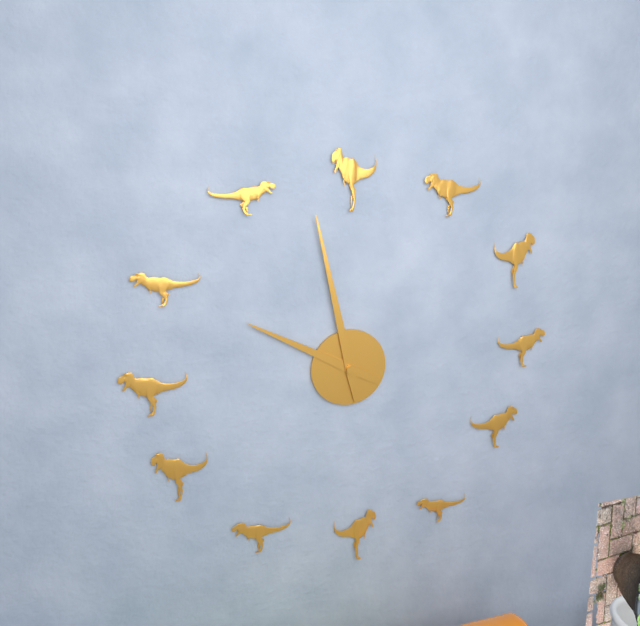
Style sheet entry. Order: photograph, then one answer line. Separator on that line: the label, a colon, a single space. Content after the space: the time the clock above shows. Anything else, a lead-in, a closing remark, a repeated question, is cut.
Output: 9:58
